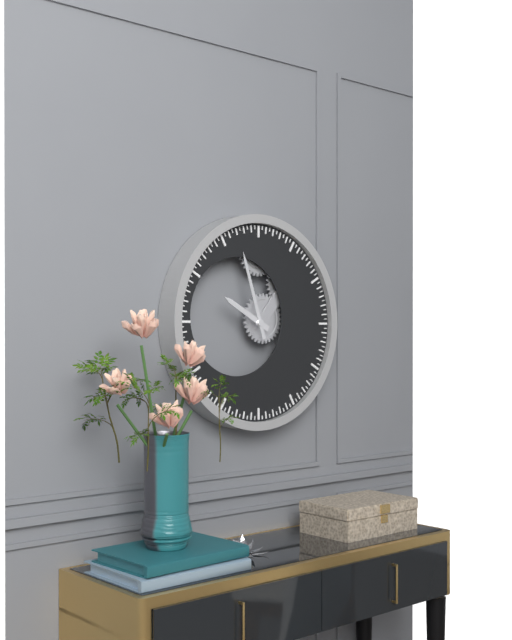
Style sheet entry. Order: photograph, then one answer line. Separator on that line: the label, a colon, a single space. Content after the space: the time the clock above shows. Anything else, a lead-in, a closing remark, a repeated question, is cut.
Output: 9:57
